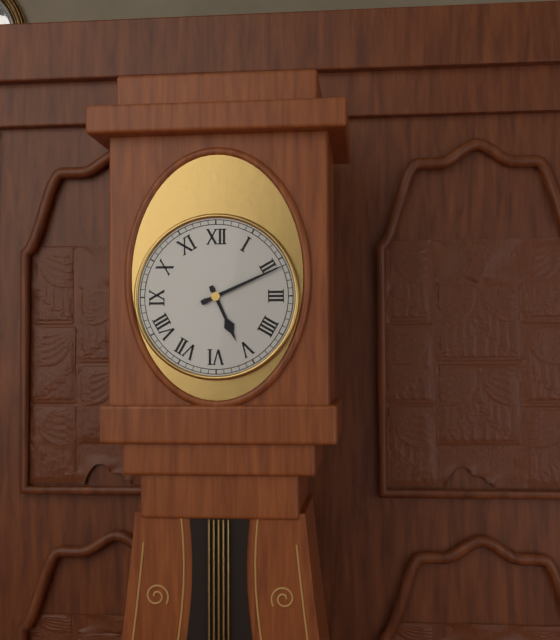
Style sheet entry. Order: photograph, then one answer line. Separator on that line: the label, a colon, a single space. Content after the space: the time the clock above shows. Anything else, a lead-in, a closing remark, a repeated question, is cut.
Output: 5:11
